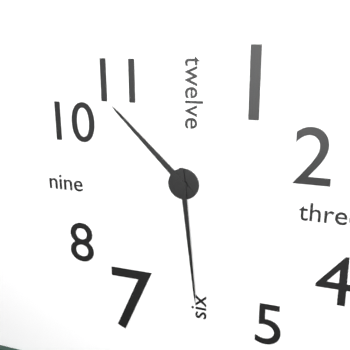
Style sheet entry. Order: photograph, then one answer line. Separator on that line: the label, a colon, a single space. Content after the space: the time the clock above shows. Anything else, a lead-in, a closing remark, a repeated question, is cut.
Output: 10:29
